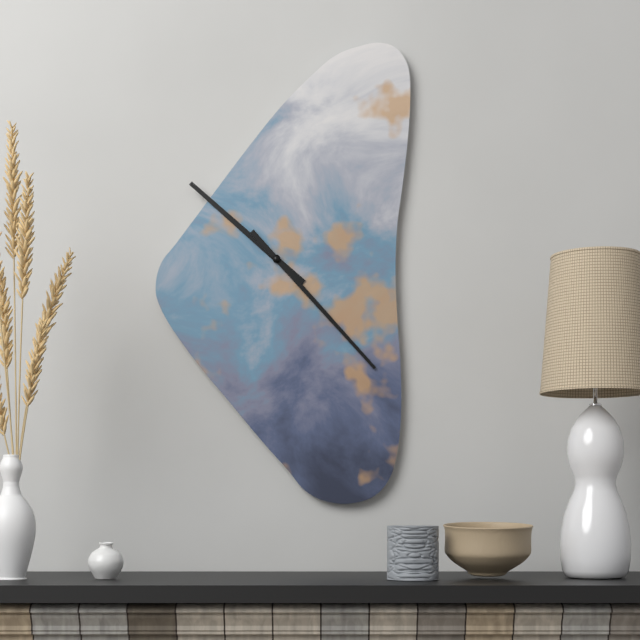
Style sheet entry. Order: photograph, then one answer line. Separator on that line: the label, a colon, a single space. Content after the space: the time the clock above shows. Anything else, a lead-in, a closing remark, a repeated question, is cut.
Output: 10:23
